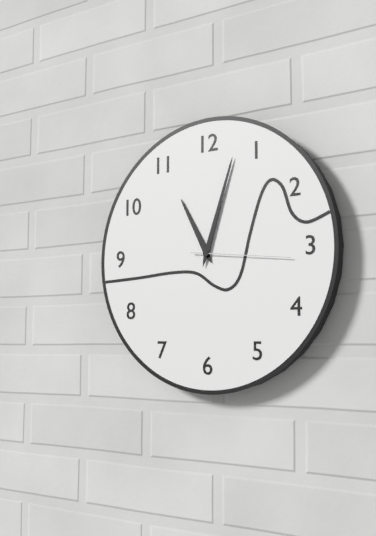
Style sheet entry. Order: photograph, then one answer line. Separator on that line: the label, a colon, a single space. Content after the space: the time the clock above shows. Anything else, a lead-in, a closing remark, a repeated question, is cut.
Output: 11:03:16
